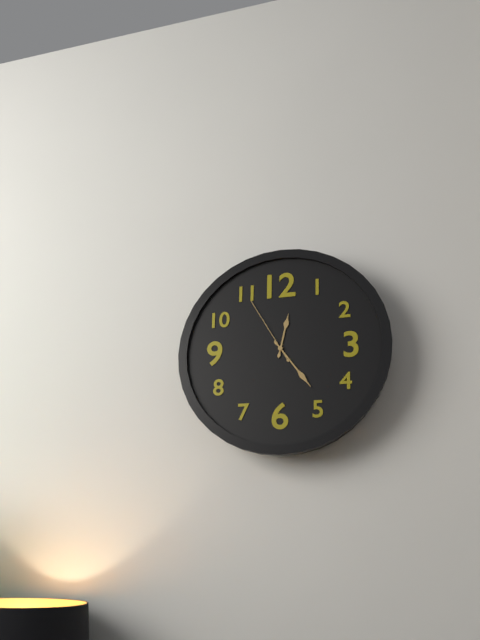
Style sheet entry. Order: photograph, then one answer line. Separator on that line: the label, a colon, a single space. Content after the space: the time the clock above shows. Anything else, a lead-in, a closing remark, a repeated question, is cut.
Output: 12:24:55
